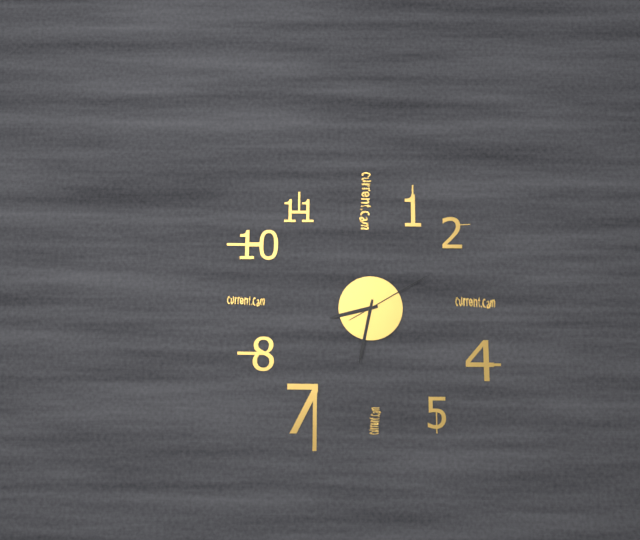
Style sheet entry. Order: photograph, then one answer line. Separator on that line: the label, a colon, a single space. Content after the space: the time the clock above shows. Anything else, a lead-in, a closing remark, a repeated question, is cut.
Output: 8:32:10
